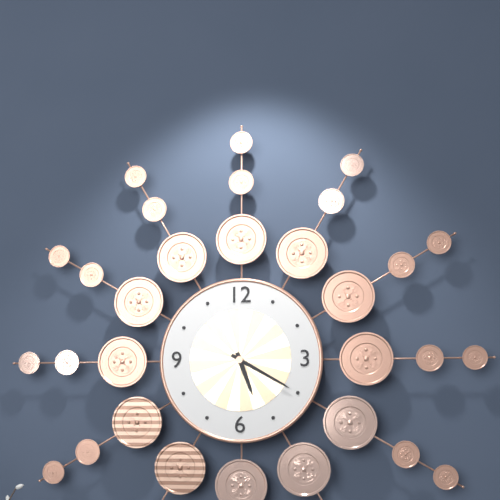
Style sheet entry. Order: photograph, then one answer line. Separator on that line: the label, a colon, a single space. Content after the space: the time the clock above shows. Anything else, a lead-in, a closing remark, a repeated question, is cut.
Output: 5:20
